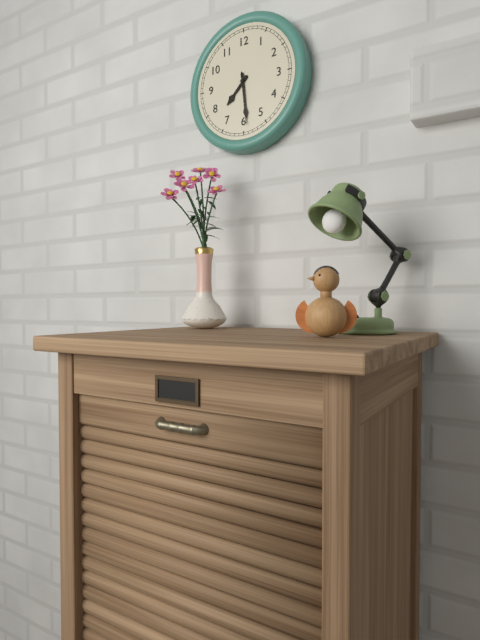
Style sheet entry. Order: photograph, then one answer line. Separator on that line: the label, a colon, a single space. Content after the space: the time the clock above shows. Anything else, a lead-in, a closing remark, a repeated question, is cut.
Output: 7:29
